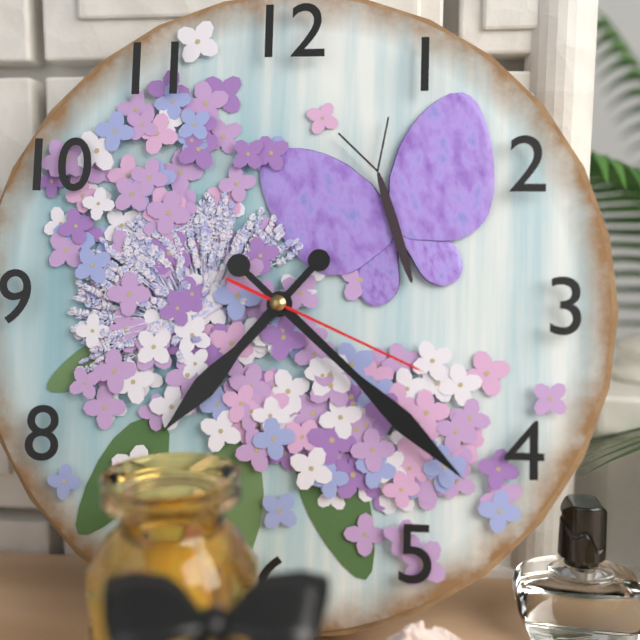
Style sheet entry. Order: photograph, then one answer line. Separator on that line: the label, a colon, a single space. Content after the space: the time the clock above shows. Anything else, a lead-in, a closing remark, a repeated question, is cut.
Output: 7:22:19
